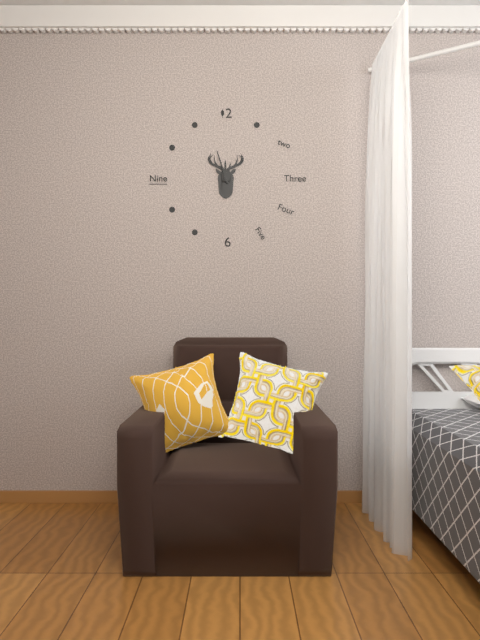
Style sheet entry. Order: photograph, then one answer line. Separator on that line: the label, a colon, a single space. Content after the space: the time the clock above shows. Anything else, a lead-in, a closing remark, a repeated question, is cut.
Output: 11:57
